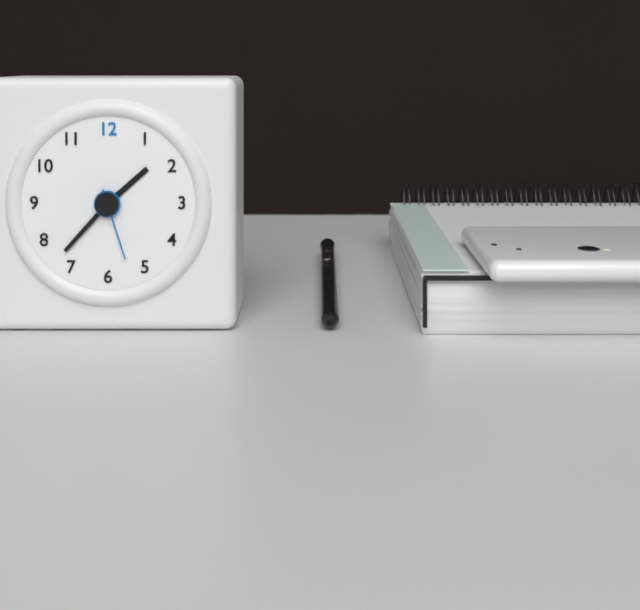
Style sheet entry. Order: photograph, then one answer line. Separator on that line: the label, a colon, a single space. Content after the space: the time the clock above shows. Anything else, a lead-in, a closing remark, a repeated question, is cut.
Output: 1:37:27
